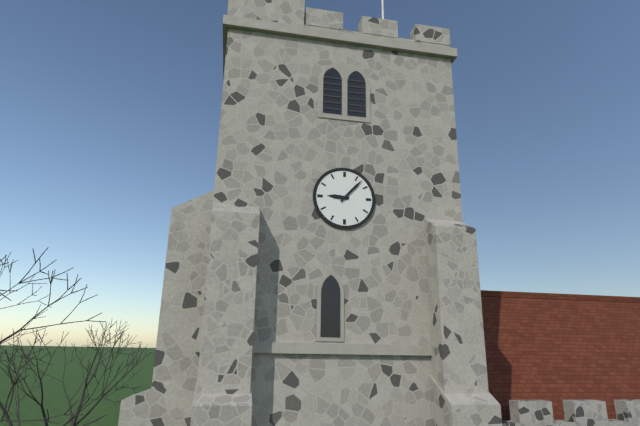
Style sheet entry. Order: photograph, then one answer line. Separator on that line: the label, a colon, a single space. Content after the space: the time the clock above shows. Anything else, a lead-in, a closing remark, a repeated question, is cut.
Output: 9:07
